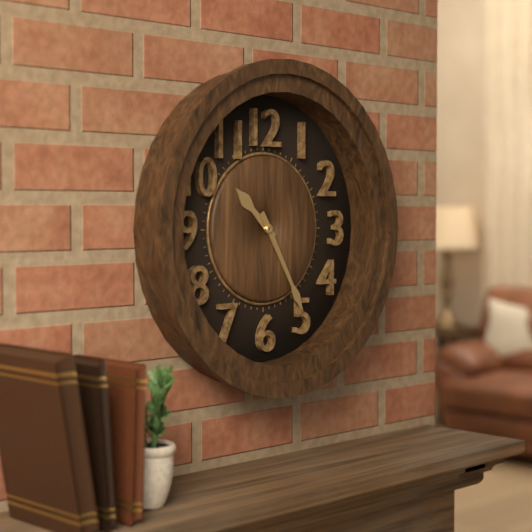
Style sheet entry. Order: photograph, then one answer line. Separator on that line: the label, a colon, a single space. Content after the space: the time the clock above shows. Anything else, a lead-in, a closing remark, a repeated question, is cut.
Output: 10:25
